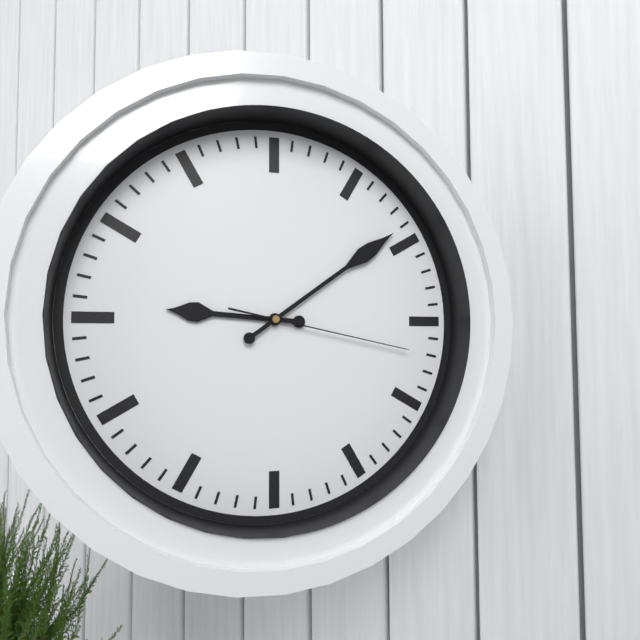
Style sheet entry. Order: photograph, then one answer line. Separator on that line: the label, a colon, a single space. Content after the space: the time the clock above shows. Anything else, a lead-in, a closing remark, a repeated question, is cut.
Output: 9:09:17
